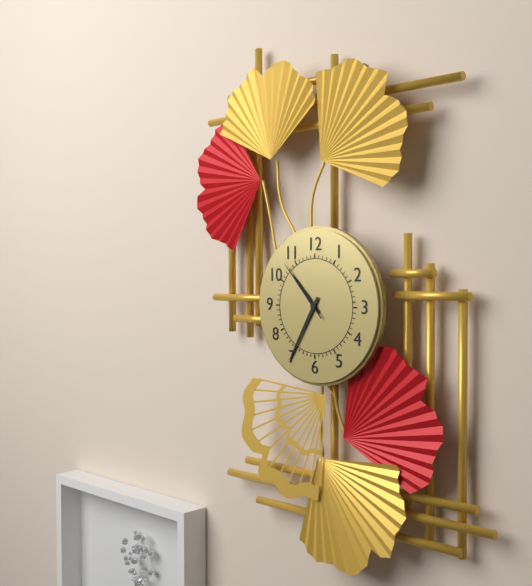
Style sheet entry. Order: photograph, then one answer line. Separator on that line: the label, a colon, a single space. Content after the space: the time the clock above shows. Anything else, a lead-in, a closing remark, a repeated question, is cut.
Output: 10:35:53
